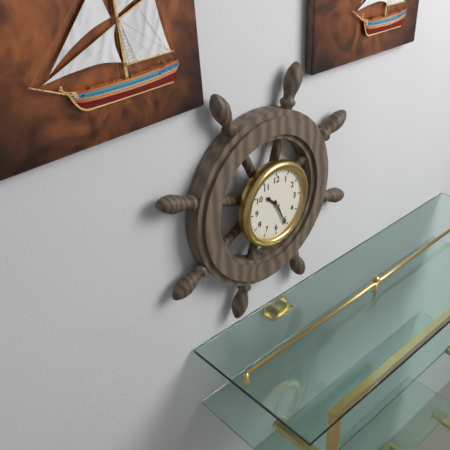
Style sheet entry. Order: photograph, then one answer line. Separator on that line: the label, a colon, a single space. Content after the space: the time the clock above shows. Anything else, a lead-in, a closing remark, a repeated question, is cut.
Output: 10:26
